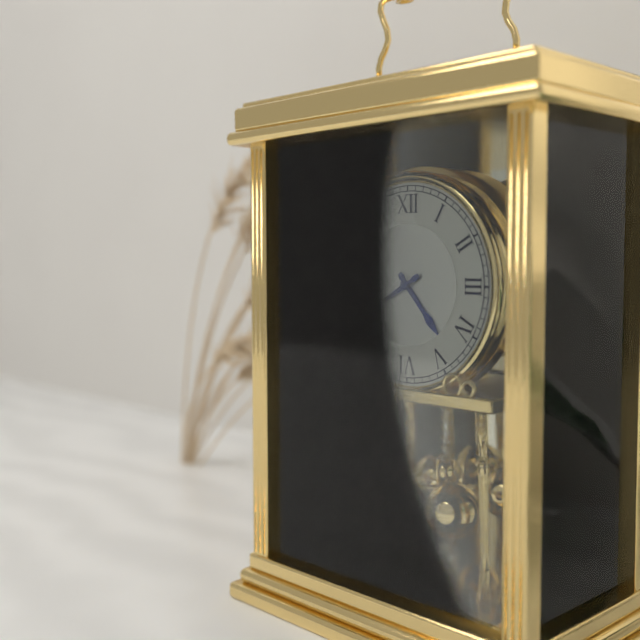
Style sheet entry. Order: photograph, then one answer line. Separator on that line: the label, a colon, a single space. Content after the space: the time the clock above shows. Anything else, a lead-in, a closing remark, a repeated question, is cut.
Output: 4:40
